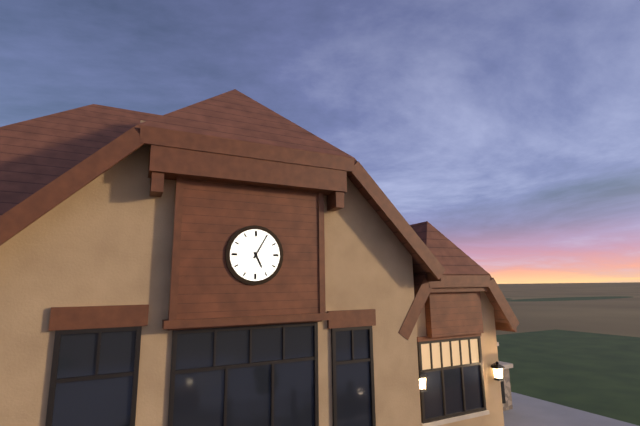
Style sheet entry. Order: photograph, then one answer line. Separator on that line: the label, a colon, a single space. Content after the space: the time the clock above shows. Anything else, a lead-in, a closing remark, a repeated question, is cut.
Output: 5:05
